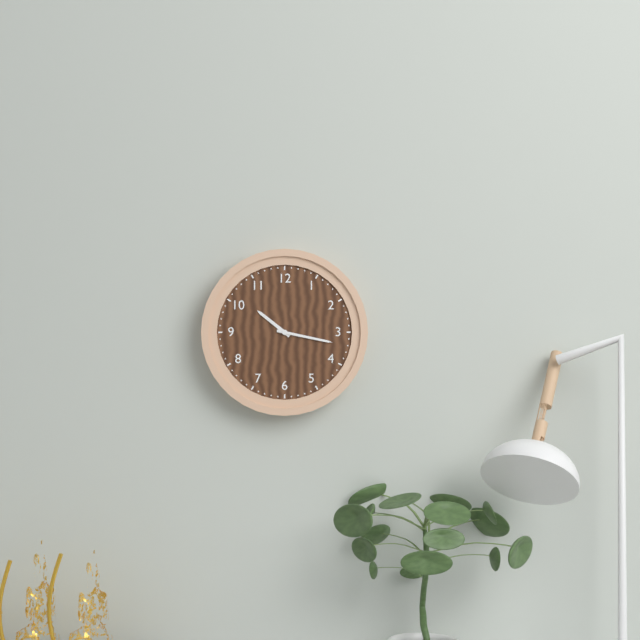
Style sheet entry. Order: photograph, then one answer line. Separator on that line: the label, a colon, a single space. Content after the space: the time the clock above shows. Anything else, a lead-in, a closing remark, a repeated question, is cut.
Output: 10:17
